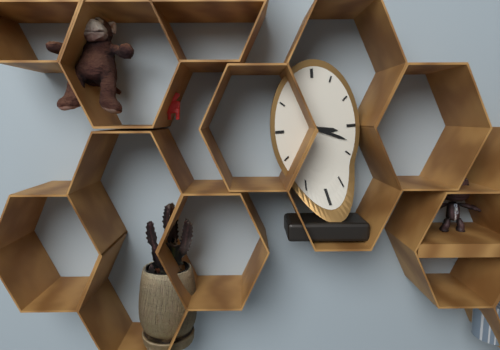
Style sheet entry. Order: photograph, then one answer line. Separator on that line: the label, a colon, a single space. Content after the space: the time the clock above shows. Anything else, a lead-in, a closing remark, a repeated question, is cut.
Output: 3:19
